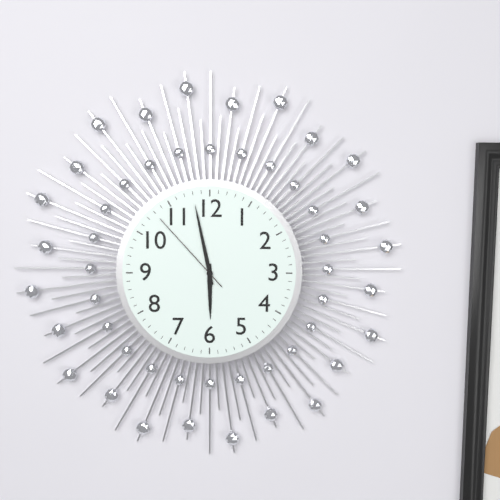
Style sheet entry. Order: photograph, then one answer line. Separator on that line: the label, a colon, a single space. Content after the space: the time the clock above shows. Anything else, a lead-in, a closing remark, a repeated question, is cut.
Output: 5:58:53
